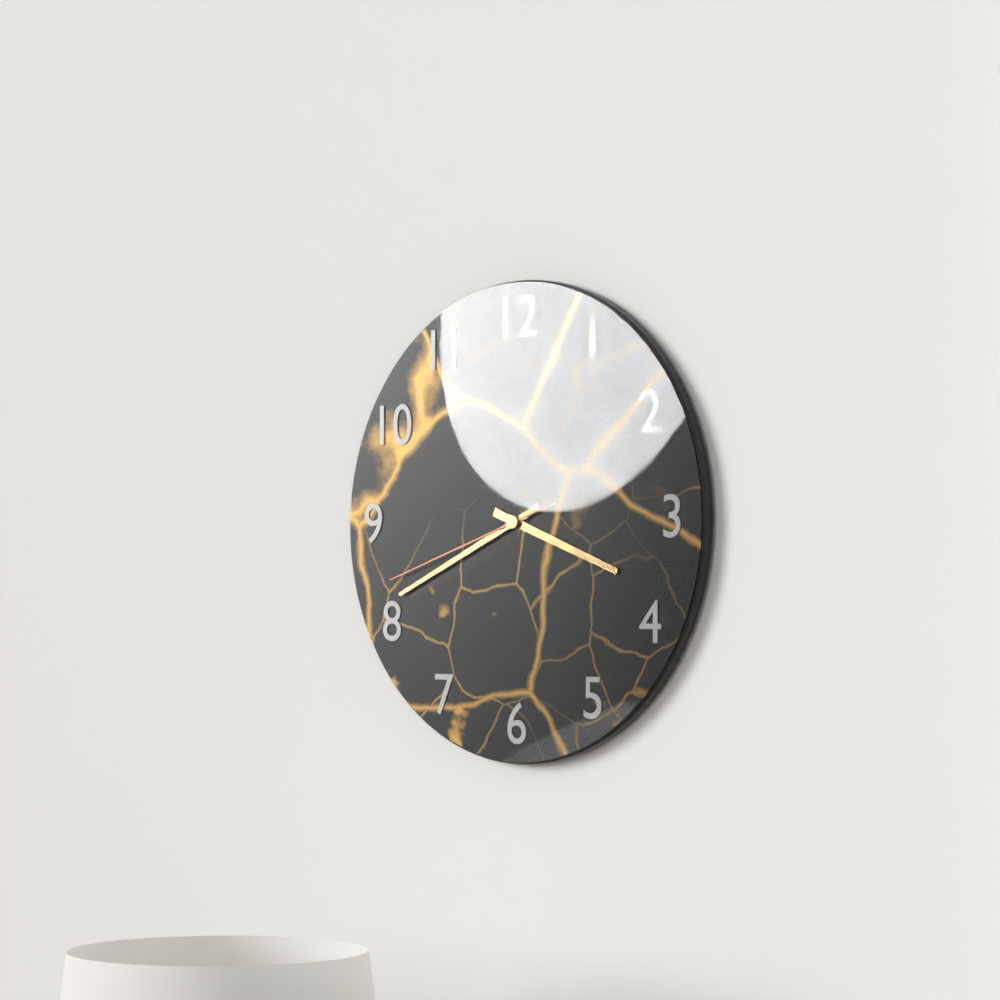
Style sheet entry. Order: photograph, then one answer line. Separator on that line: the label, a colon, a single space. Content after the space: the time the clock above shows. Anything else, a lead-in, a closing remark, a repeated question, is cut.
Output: 3:41:42
